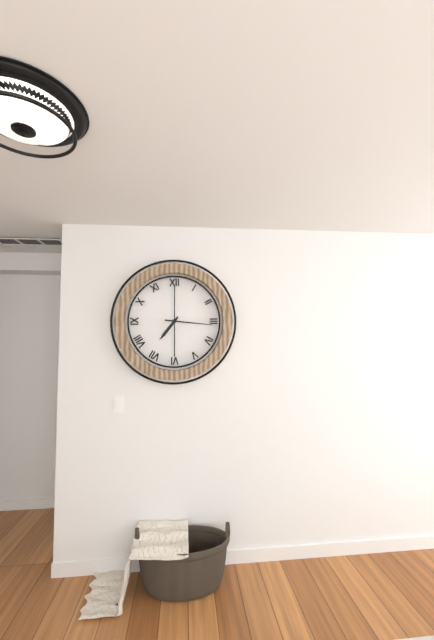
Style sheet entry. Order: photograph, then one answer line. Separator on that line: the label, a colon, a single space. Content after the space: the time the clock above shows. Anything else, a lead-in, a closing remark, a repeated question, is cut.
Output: 7:16
